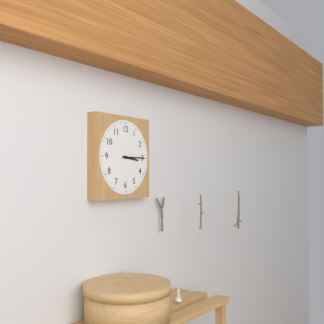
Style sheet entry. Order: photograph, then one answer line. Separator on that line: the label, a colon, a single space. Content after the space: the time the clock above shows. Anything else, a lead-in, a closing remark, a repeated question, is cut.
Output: 3:15
